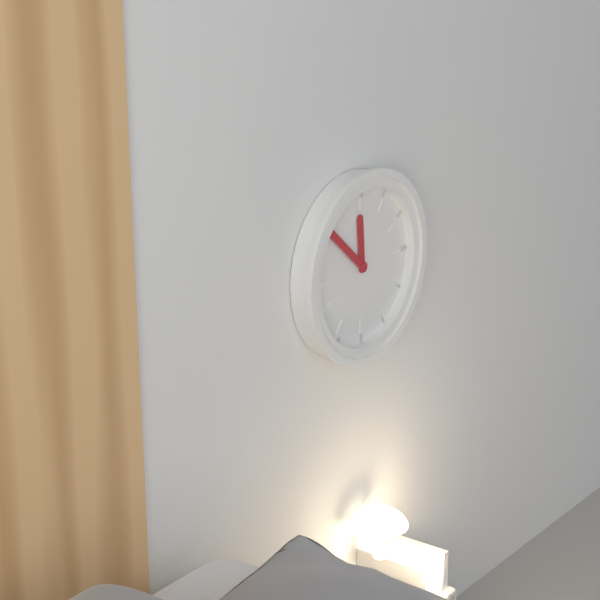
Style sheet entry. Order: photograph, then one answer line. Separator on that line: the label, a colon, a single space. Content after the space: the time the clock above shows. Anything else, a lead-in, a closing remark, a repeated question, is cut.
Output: 11:52
